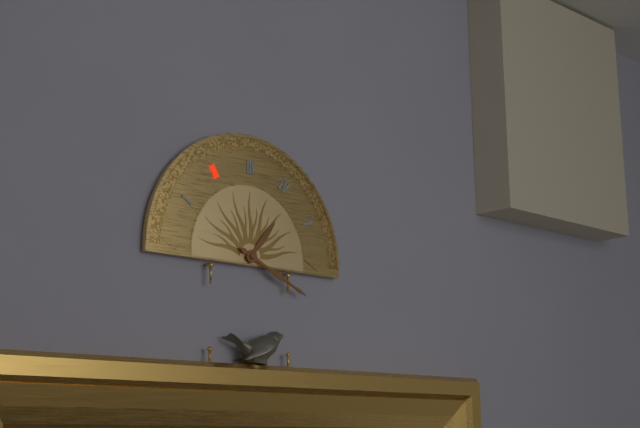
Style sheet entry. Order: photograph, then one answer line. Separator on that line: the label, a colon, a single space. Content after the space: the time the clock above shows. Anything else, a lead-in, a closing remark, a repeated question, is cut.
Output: 1:19
